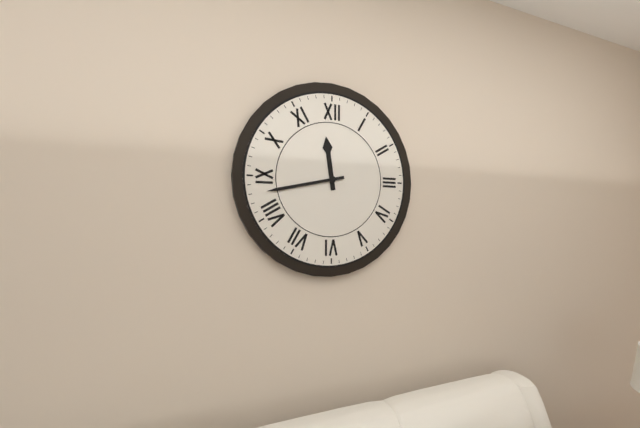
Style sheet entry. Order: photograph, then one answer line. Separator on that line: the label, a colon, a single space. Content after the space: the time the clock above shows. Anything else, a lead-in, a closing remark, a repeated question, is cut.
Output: 11:43
